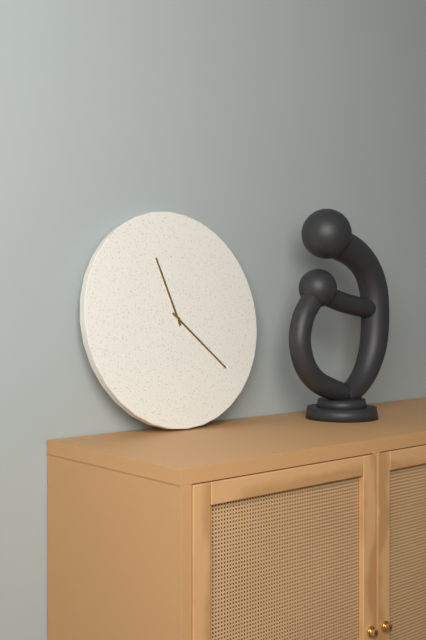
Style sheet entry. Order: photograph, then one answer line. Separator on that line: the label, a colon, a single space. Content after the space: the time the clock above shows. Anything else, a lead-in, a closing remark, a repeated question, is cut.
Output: 11:22
